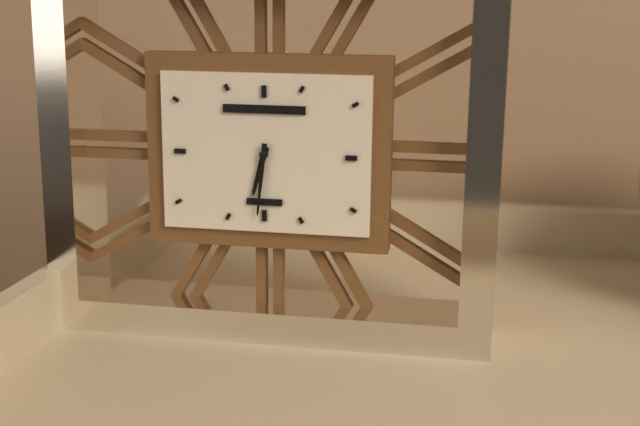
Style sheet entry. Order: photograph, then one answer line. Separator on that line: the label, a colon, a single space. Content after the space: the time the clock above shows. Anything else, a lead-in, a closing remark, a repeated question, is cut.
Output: 6:31
